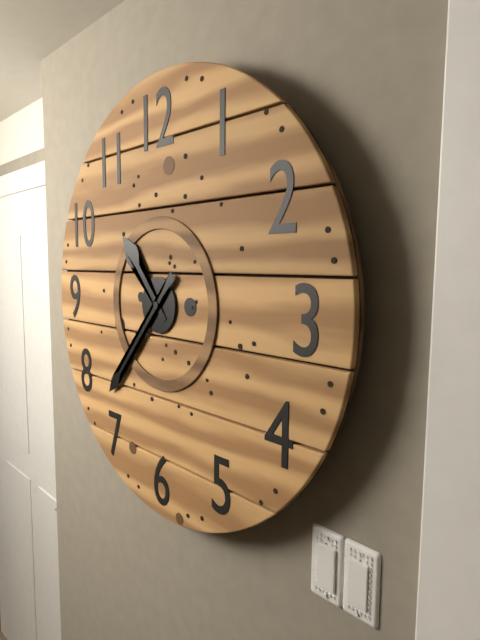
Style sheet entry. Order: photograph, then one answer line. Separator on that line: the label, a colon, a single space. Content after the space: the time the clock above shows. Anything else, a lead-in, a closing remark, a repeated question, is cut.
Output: 10:37
